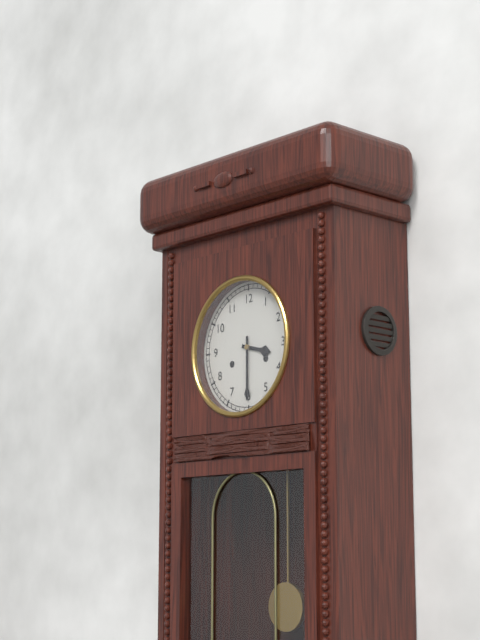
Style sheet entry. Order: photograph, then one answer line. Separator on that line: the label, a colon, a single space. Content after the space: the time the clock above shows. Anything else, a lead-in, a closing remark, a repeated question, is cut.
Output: 3:30
